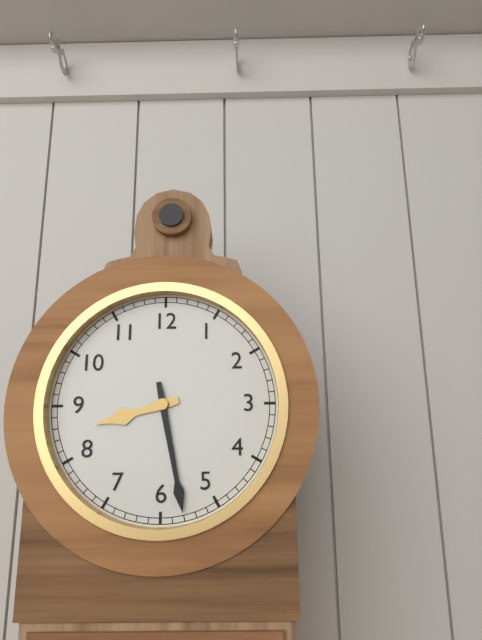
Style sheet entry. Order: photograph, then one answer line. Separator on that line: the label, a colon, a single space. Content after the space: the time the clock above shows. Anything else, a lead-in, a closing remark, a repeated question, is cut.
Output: 8:28
